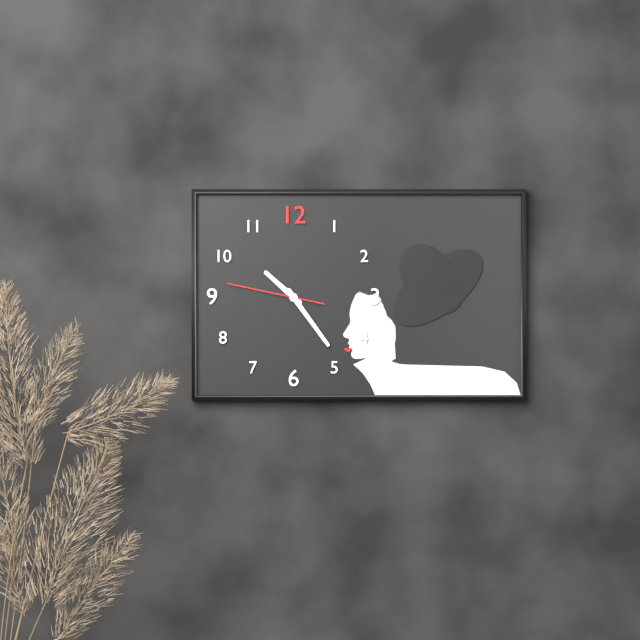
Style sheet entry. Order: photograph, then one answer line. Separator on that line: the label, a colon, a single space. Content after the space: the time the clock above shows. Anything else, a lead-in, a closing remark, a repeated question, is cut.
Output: 10:24:47
